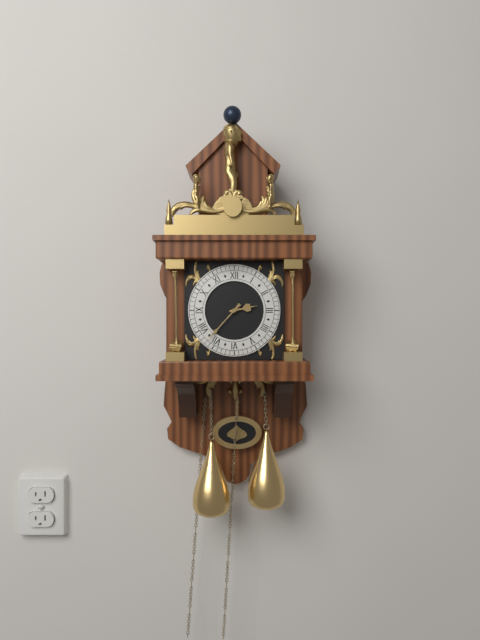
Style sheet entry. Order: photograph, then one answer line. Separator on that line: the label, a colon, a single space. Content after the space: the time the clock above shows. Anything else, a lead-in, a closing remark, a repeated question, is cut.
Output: 2:37
